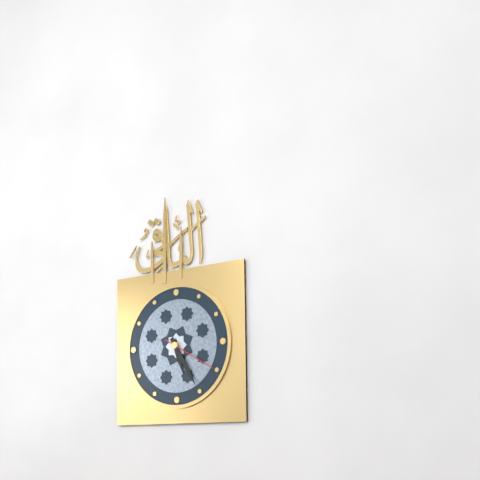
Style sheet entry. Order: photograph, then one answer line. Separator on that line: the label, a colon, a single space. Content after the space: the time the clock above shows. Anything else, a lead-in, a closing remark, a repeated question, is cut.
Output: 5:25:20
